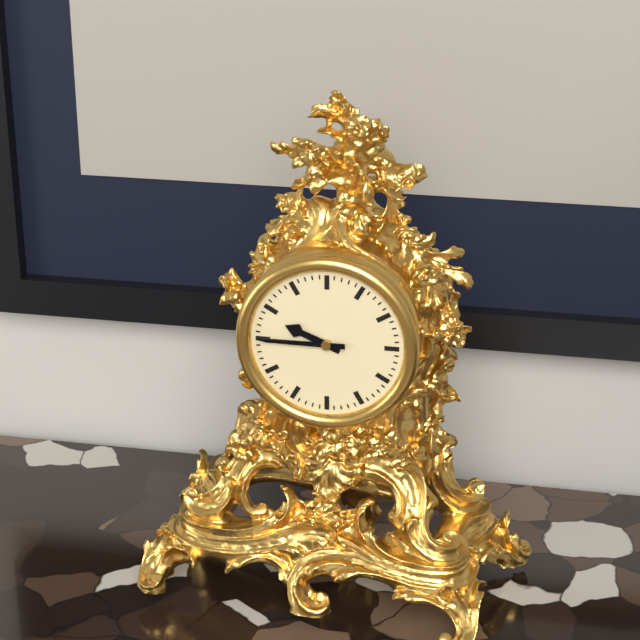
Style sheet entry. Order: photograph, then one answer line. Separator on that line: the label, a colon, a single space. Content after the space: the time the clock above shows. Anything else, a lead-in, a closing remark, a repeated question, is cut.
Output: 9:45
